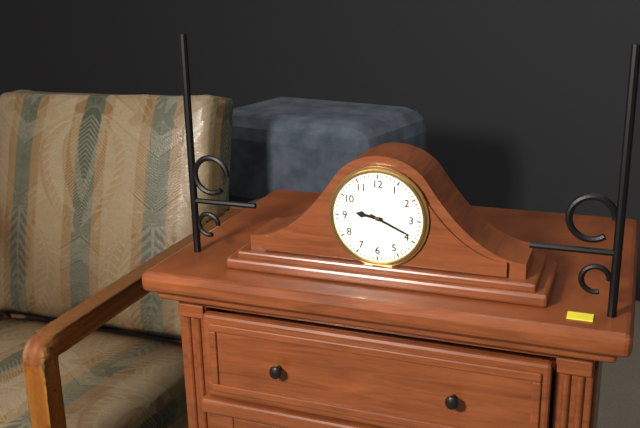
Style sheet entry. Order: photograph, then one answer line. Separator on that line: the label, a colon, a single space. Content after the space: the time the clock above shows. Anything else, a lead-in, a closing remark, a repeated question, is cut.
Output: 9:19
